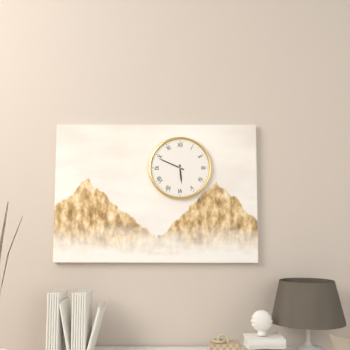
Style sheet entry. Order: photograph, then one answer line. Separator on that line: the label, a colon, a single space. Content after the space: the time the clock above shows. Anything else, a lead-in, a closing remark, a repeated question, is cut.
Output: 5:49
